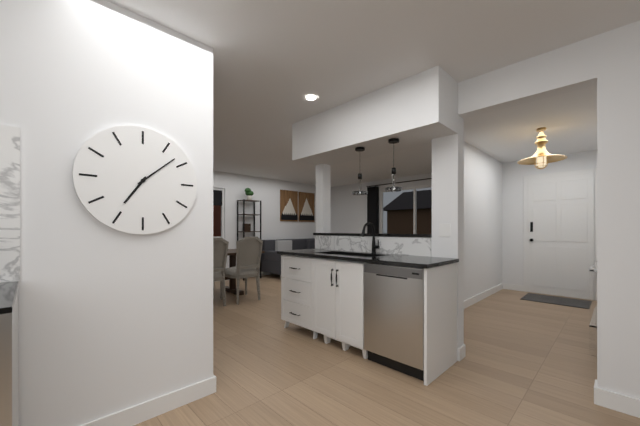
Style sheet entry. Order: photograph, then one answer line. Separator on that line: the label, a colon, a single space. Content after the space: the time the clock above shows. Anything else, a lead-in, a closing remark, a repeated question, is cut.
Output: 7:08
